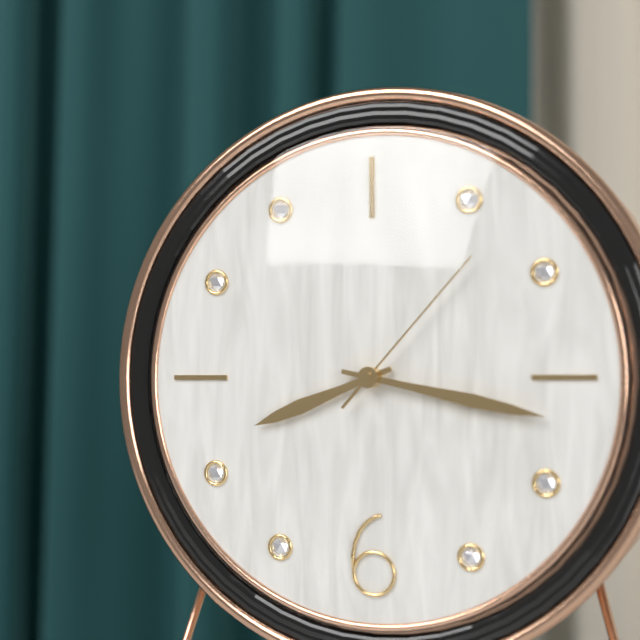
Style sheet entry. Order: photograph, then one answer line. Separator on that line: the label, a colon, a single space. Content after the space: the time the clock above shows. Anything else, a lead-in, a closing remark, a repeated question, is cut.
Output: 8:17:07
